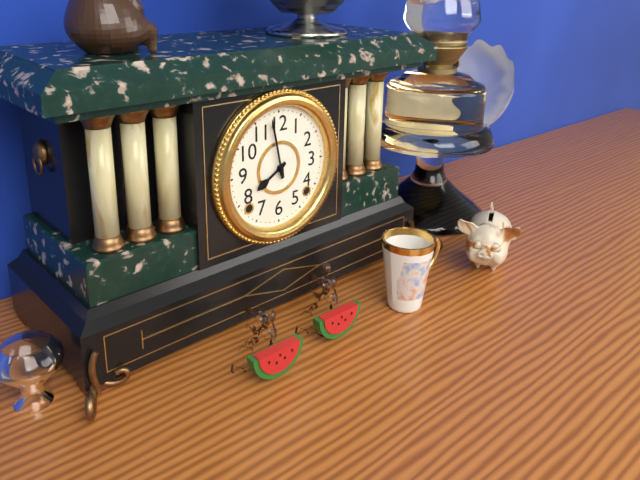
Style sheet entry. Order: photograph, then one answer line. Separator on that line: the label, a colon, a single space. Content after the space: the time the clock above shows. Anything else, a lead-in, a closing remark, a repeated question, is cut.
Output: 7:58
